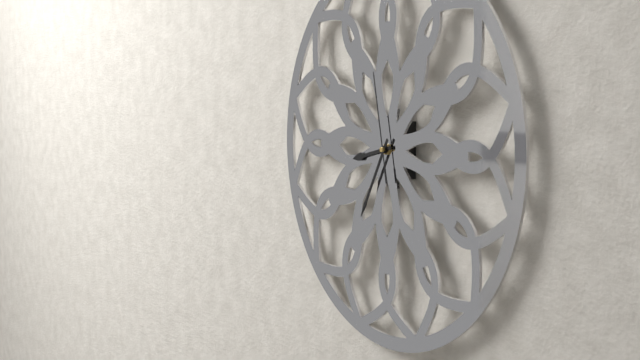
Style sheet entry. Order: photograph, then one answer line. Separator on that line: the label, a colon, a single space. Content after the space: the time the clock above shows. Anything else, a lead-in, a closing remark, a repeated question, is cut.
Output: 8:35:58
